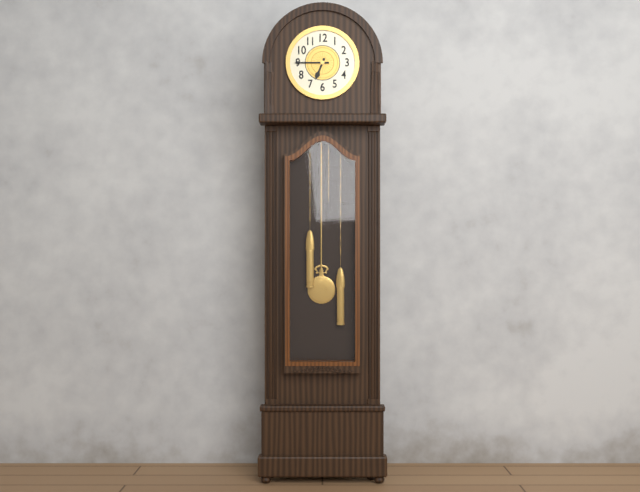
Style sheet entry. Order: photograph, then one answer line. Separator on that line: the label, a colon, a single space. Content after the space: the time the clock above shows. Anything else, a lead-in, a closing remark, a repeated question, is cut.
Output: 6:45
